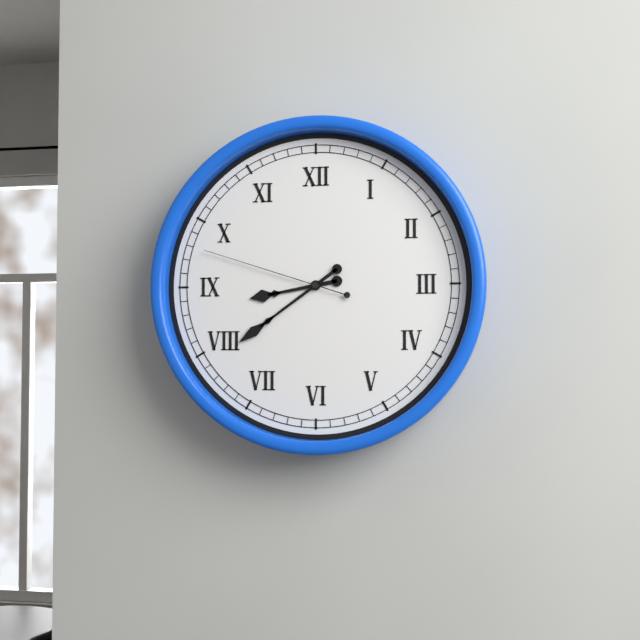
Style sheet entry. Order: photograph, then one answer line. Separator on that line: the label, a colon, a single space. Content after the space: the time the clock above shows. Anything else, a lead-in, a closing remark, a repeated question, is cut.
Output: 8:39:48
